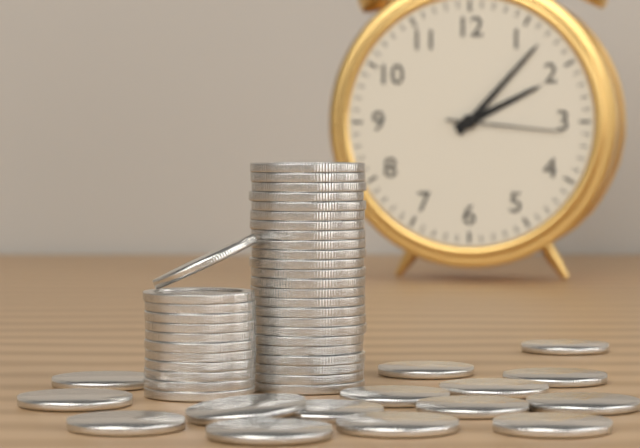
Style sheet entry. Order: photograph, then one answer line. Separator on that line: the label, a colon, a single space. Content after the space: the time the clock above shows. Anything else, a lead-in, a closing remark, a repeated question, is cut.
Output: 2:07:16
